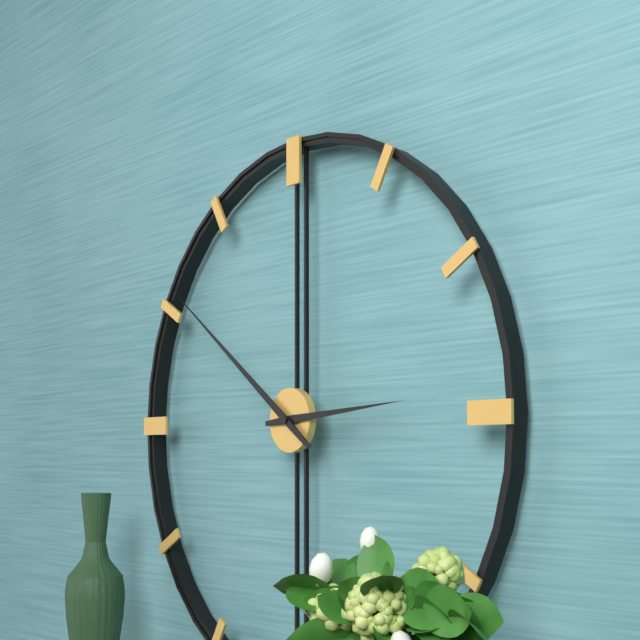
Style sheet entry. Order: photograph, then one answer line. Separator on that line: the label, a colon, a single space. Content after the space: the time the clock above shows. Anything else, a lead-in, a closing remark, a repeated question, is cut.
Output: 2:51
